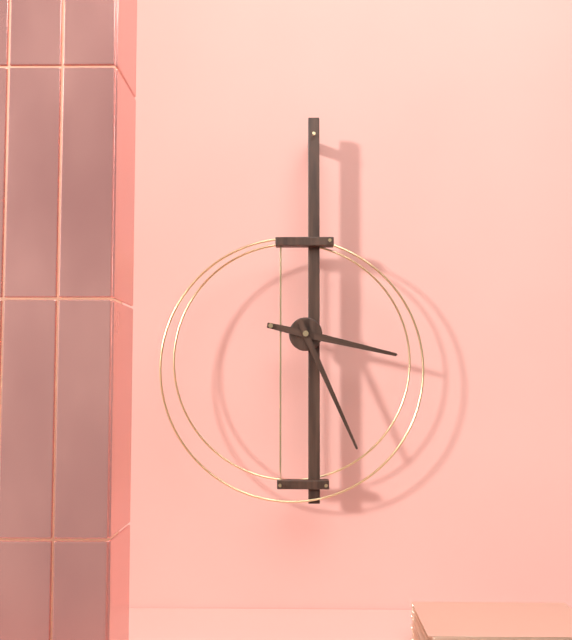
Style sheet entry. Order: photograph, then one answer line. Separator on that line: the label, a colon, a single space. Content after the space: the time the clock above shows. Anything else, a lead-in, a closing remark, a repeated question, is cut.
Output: 3:26
